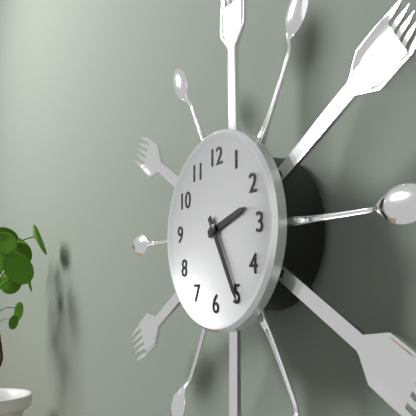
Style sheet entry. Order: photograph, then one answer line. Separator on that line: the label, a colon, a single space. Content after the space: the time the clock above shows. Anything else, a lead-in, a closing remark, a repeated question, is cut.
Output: 2:25
